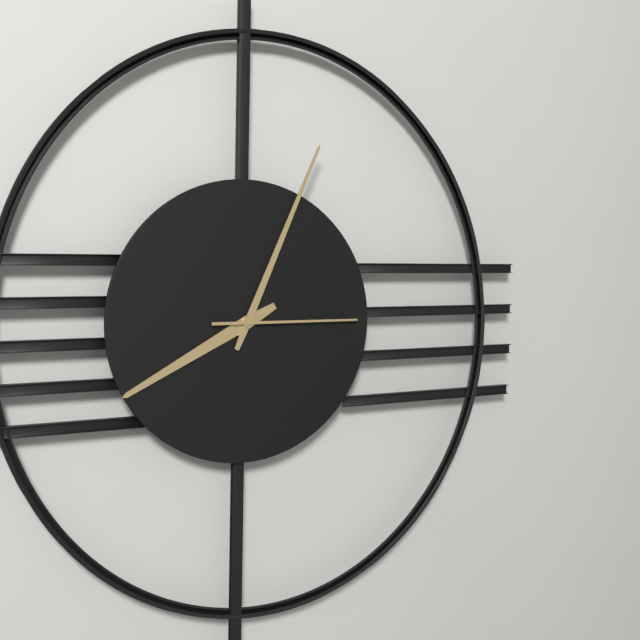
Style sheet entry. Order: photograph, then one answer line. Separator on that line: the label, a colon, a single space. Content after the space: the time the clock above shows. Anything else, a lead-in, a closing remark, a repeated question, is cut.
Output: 8:04:15
